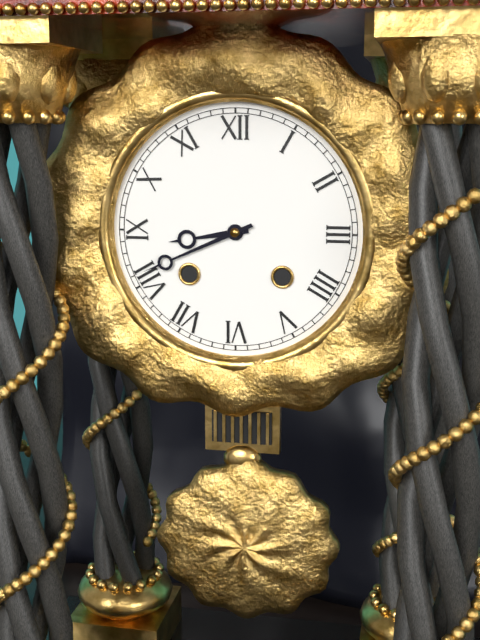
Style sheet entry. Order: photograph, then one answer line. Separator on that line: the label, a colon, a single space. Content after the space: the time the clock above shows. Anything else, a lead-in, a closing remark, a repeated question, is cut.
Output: 8:41
